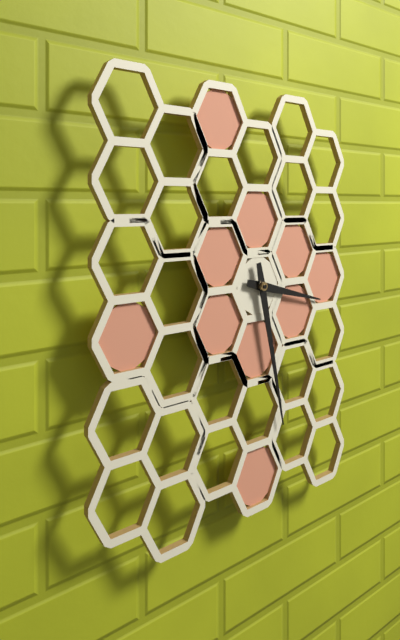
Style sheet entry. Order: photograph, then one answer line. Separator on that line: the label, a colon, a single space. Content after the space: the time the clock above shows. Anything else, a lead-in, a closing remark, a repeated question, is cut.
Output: 3:28
